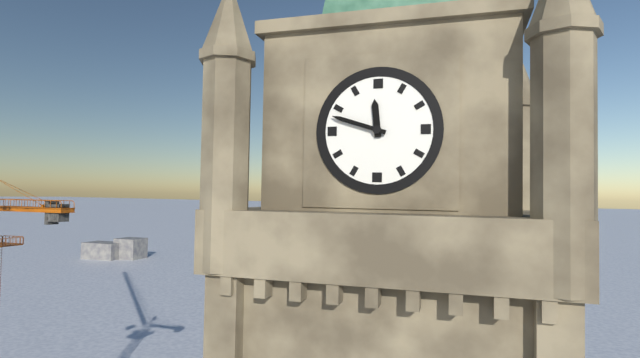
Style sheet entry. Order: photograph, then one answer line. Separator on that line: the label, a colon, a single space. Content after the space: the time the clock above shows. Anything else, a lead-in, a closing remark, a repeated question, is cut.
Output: 11:48
